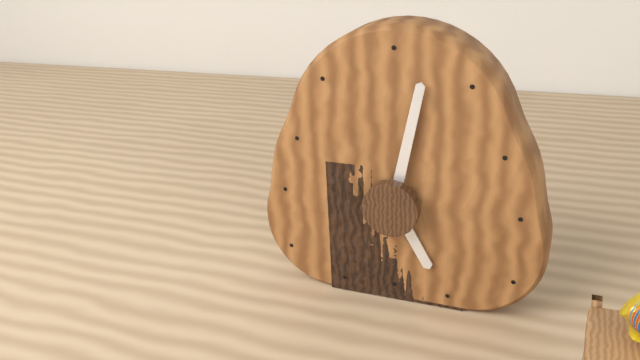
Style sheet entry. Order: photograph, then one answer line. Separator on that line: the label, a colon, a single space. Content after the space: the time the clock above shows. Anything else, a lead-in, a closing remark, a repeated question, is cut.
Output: 5:02
